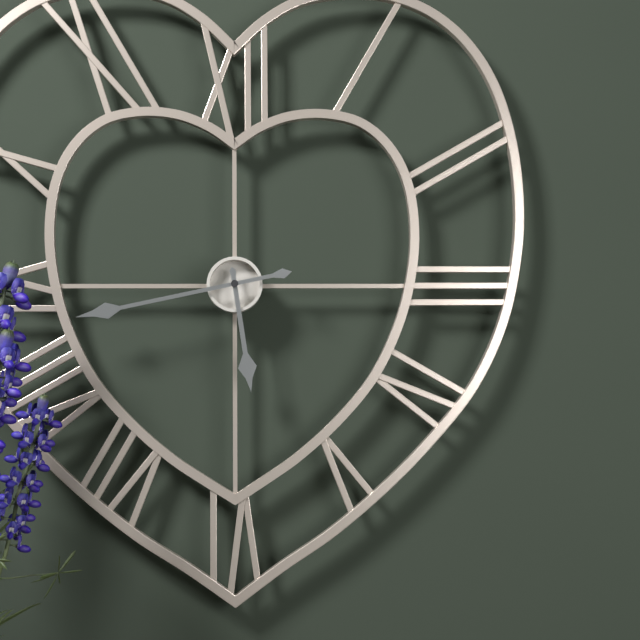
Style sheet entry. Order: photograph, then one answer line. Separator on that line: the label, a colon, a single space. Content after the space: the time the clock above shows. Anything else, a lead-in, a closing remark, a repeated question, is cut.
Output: 5:43
